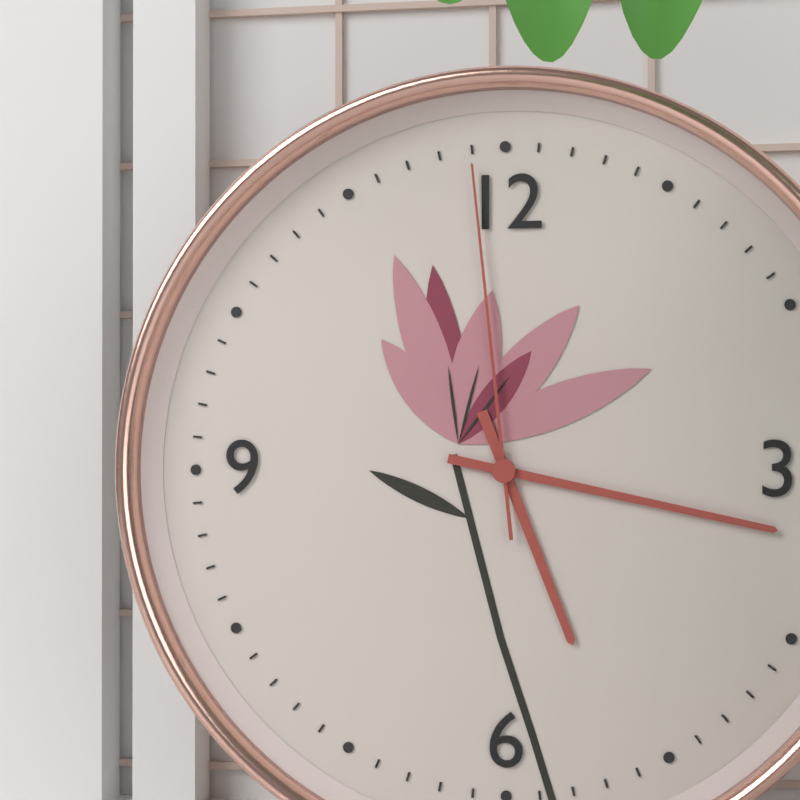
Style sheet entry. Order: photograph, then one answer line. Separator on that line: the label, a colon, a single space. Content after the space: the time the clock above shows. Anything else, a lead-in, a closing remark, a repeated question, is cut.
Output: 5:17:59
